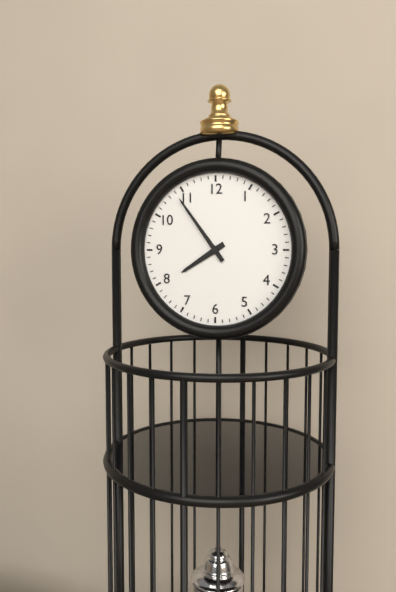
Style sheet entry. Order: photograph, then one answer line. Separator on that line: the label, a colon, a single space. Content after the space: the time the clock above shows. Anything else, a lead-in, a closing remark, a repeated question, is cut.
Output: 7:54
